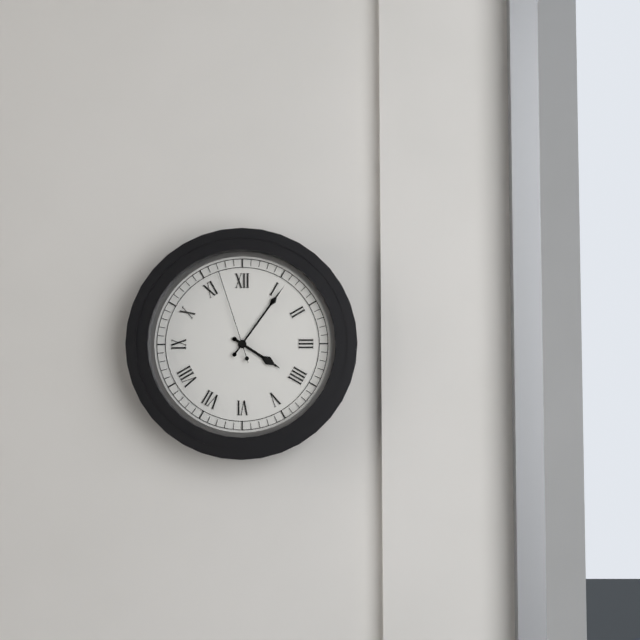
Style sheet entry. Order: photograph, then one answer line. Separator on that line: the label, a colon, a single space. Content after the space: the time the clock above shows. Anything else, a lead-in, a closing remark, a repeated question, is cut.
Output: 4:06:57
